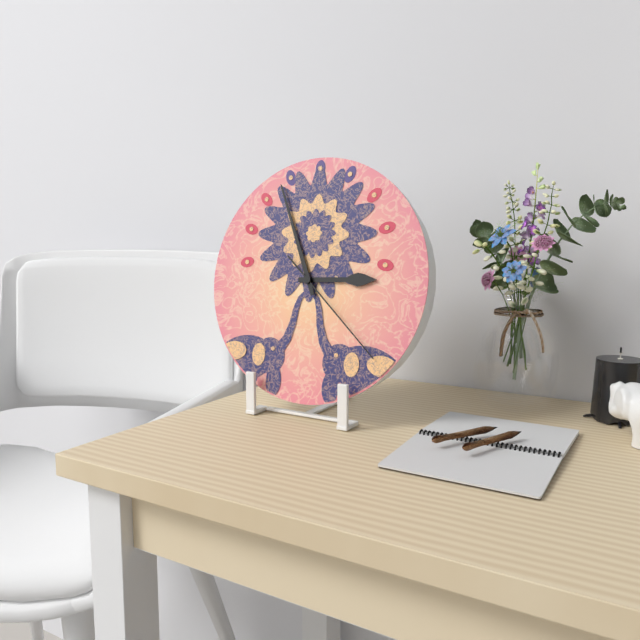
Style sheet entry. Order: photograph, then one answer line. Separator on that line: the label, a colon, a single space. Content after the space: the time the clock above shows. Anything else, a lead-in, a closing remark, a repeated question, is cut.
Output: 2:56:22
